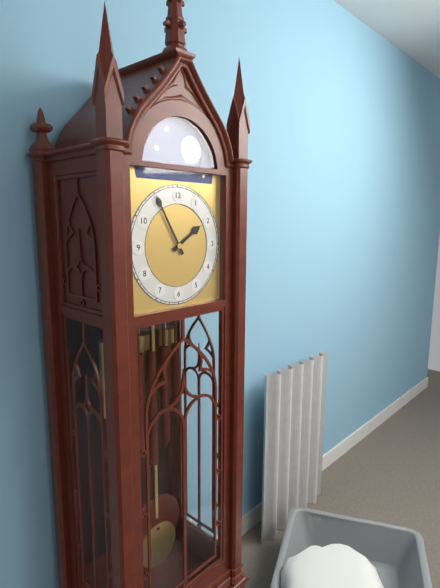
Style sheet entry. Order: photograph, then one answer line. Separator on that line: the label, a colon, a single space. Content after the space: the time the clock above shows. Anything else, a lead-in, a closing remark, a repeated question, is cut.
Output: 1:55
